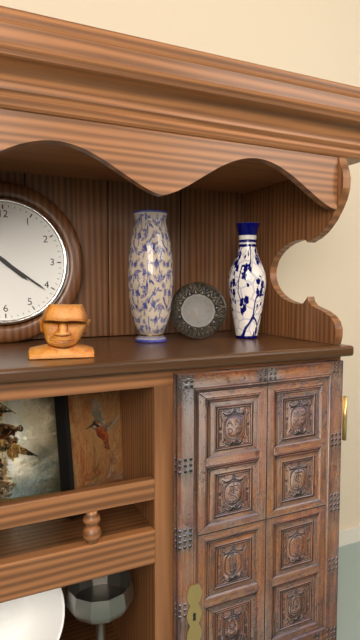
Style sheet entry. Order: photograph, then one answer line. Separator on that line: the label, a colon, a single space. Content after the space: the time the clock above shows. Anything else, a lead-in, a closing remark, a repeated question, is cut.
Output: 4:21
